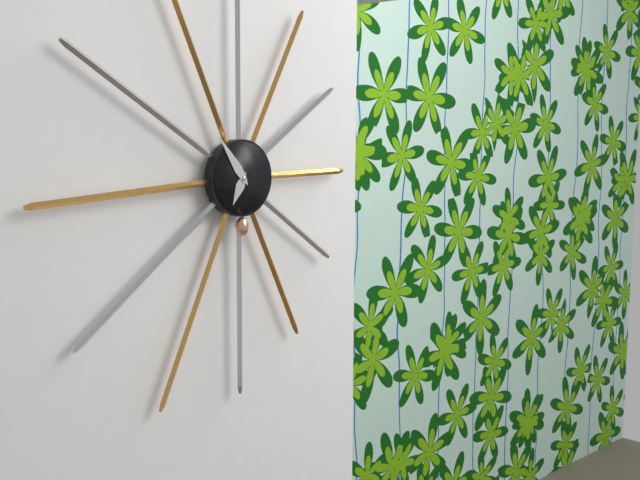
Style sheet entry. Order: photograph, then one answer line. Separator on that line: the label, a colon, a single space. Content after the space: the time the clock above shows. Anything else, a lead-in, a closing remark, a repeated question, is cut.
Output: 6:54
